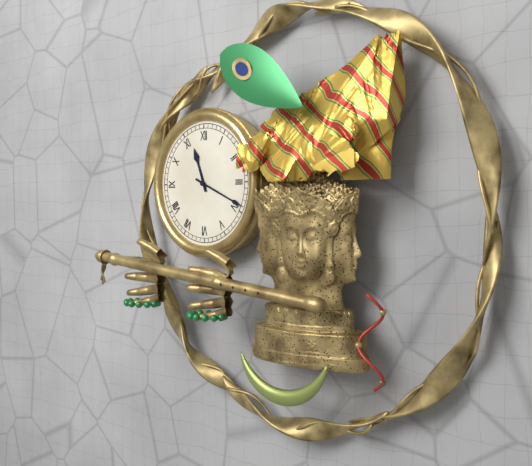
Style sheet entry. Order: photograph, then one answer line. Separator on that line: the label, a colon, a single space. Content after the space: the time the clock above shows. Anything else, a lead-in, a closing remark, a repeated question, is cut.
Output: 11:19
